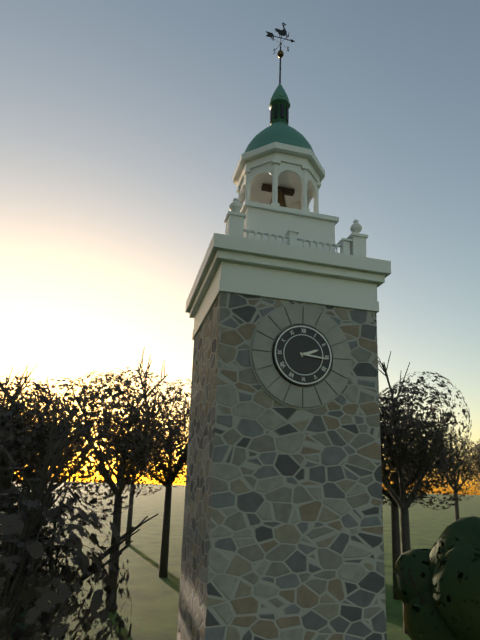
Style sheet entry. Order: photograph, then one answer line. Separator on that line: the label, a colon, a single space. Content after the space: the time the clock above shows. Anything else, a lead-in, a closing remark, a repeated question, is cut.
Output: 2:16
